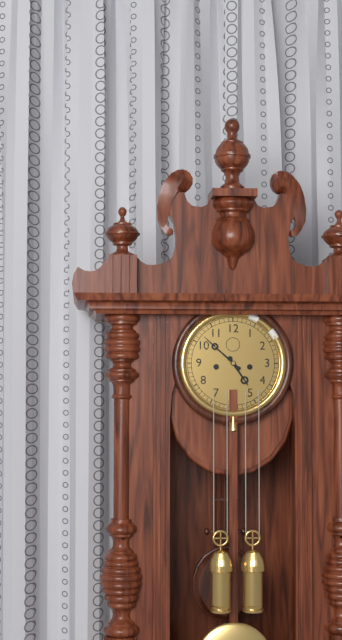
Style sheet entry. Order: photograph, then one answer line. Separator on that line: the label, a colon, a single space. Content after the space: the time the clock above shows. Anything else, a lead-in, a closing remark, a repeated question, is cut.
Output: 4:52
